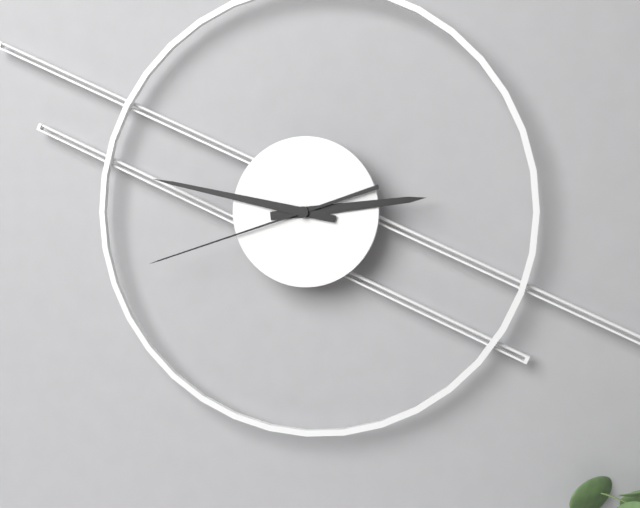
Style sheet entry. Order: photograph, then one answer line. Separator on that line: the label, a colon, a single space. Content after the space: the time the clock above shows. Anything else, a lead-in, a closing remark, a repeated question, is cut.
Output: 2:47:42
